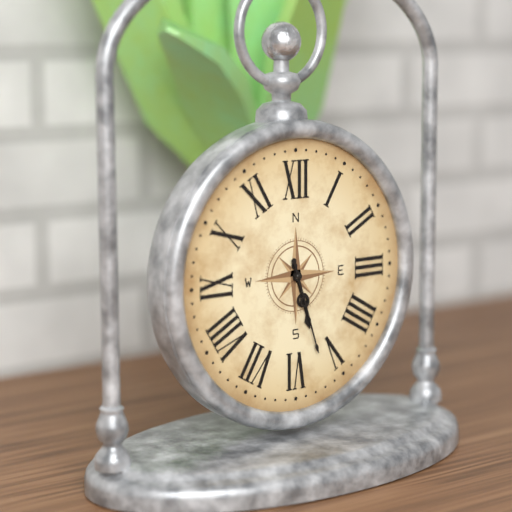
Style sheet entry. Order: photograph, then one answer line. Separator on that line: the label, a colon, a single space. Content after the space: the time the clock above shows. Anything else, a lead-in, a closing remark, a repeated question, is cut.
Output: 5:27
